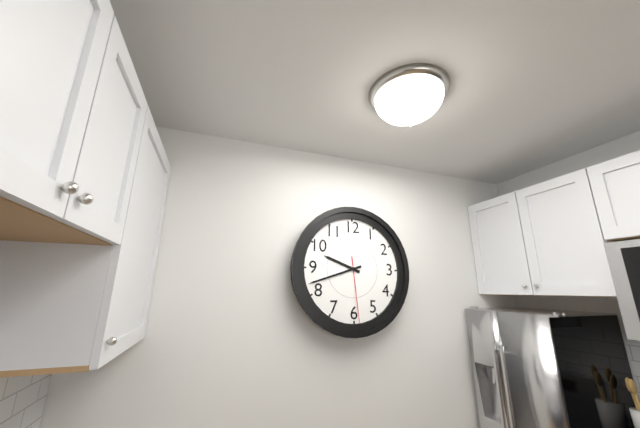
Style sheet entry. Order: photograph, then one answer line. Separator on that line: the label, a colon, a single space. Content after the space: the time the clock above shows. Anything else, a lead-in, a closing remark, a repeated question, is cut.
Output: 9:42:29
